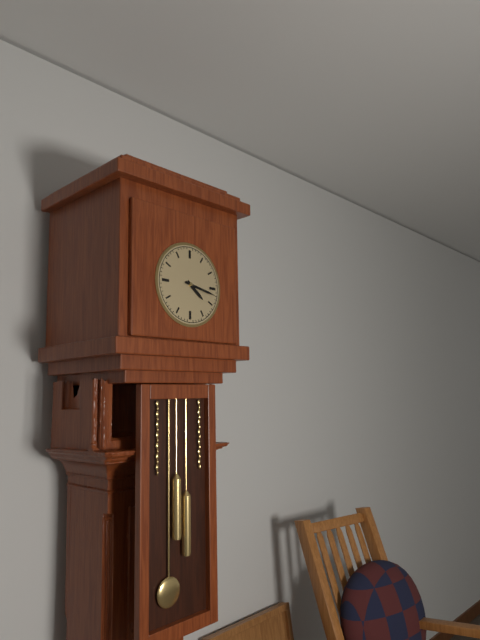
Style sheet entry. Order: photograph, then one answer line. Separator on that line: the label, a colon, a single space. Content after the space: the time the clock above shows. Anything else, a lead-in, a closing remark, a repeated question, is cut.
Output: 4:17
